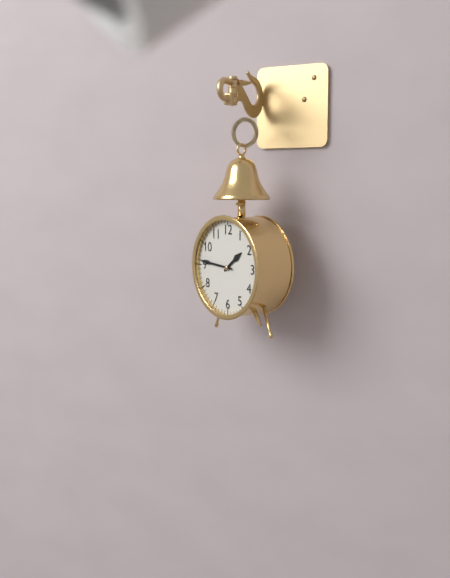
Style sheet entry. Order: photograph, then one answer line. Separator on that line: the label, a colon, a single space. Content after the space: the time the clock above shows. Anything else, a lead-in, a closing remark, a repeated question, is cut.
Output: 1:46
